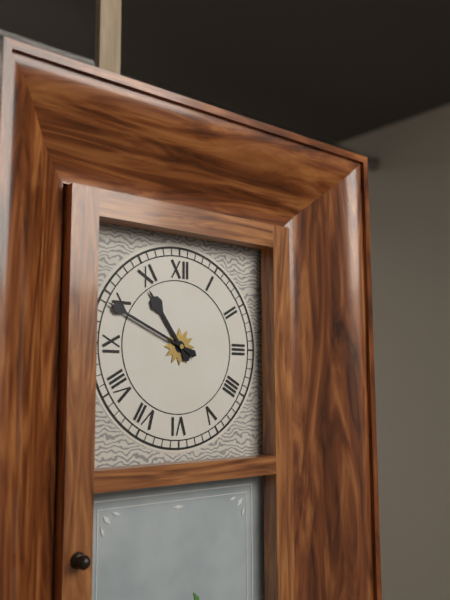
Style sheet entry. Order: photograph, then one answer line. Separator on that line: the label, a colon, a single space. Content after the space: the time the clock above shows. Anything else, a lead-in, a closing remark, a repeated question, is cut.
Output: 10:49
